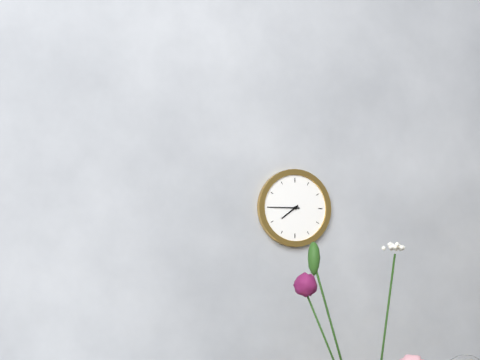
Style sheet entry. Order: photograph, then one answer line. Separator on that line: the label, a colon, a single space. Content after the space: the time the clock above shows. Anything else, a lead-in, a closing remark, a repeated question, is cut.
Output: 7:45
